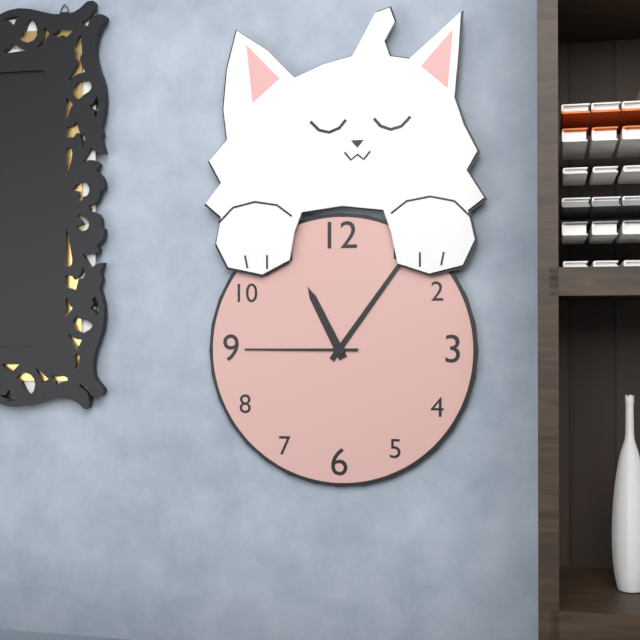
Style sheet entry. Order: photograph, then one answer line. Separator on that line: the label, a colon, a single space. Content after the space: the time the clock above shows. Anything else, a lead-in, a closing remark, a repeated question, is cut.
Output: 11:06:45
